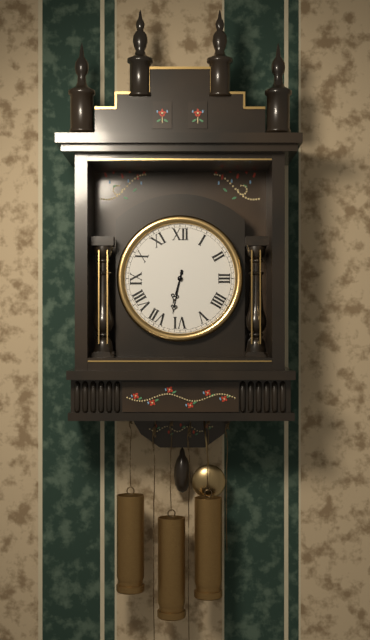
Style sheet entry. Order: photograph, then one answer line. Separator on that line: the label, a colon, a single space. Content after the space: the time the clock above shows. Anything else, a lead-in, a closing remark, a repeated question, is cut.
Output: 6:32
